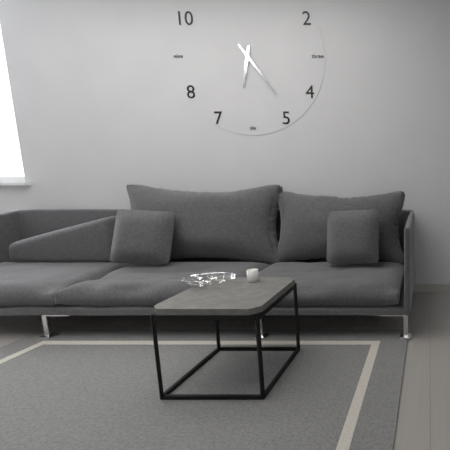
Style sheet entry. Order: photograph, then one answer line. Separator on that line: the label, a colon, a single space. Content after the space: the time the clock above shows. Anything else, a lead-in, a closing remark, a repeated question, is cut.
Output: 6:24
